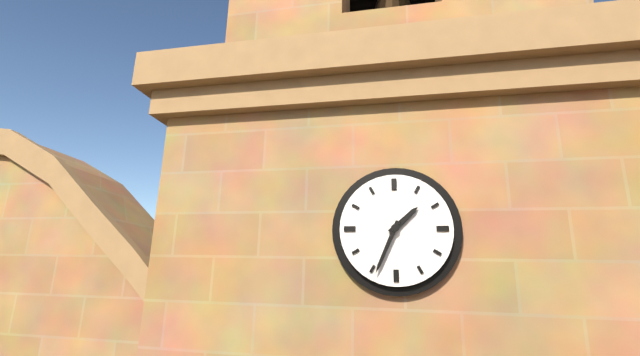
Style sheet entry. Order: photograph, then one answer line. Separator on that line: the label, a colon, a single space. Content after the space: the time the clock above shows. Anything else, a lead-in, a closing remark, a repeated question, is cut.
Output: 1:34
